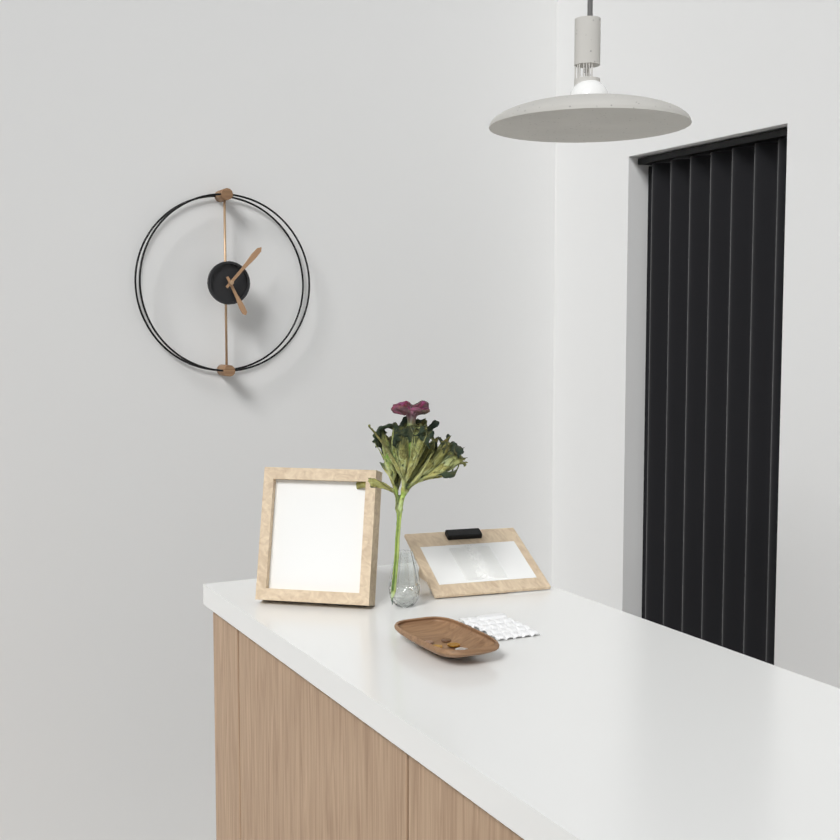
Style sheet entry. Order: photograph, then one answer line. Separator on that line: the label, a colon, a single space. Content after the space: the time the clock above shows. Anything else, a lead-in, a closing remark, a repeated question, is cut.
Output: 5:07
